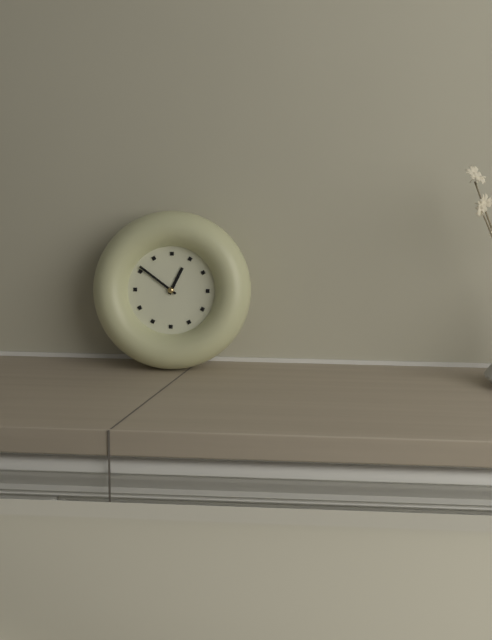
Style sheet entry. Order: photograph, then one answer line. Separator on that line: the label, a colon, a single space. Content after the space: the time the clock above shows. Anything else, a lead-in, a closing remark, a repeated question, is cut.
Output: 12:51
